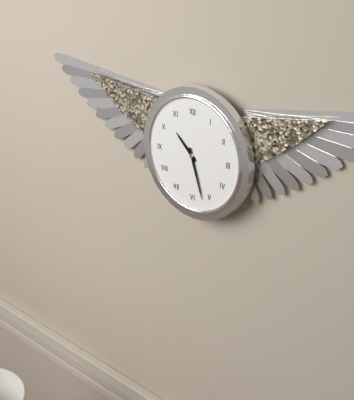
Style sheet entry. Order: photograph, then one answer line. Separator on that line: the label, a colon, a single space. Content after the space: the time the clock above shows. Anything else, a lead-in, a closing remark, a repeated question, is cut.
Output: 10:27
